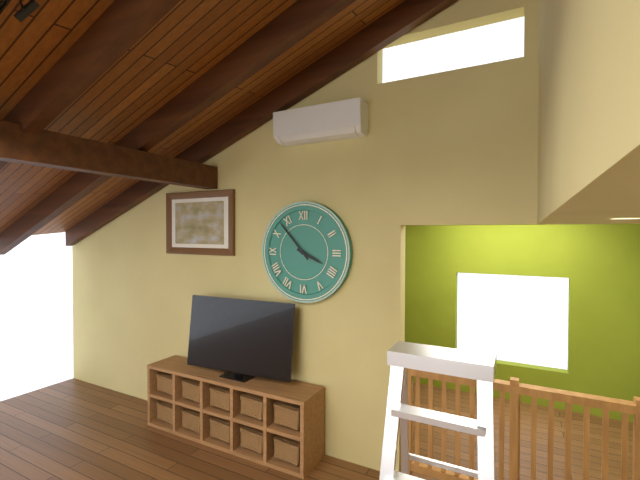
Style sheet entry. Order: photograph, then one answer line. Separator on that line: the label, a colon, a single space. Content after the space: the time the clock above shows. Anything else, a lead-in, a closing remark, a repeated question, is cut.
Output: 3:53
